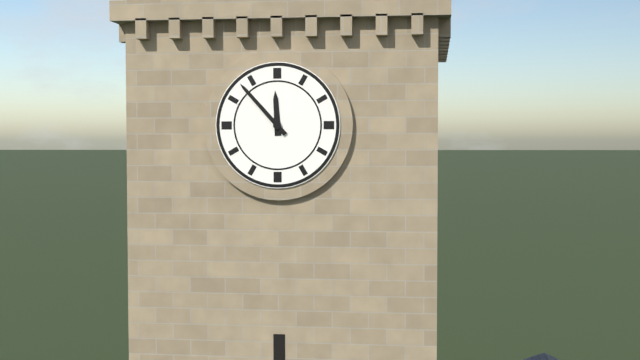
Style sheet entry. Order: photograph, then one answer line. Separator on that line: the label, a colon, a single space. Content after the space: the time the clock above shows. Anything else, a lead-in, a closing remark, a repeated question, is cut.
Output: 11:53
